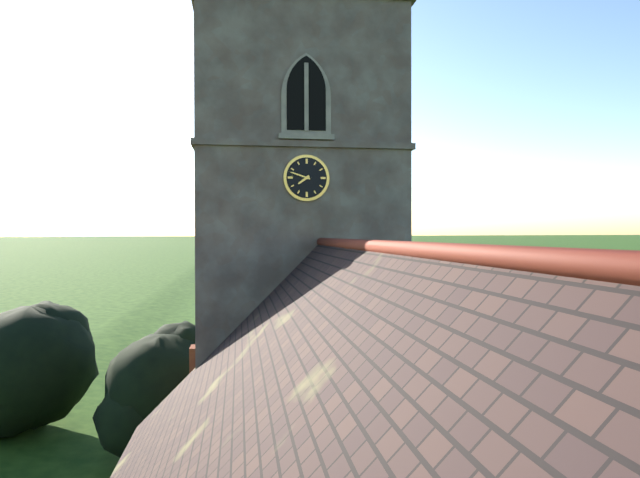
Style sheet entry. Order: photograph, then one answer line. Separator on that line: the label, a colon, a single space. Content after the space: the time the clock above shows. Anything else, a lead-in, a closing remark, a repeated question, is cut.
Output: 7:48
